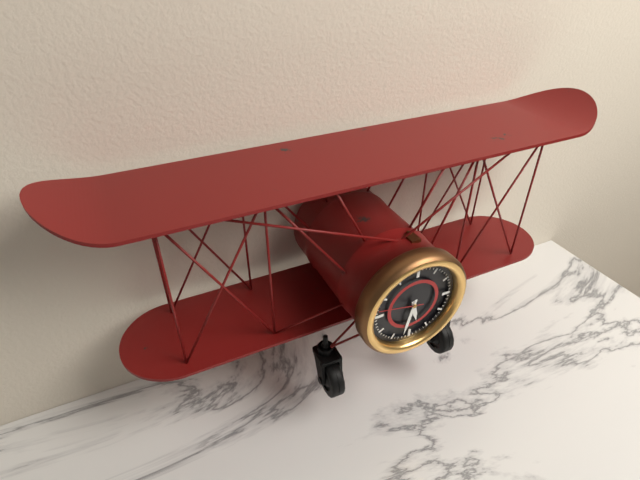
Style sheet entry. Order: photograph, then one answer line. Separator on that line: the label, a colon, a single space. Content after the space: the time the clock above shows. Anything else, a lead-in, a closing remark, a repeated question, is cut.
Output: 5:32
